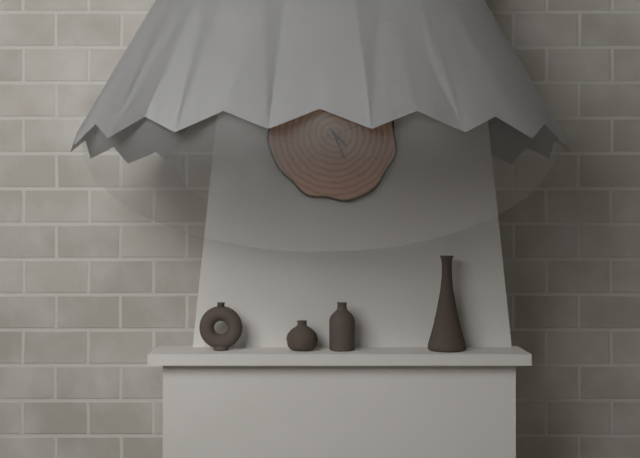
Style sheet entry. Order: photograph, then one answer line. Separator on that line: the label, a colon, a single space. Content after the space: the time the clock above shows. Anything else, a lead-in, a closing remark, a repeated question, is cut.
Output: 4:26
